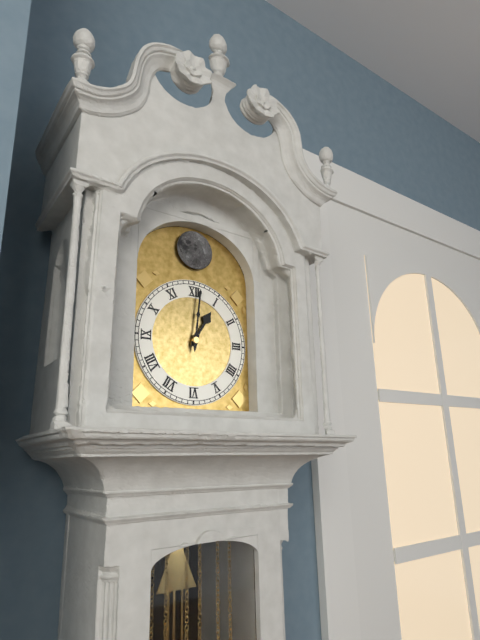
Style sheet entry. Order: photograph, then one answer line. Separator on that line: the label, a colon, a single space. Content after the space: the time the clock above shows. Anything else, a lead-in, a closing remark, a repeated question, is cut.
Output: 1:01
